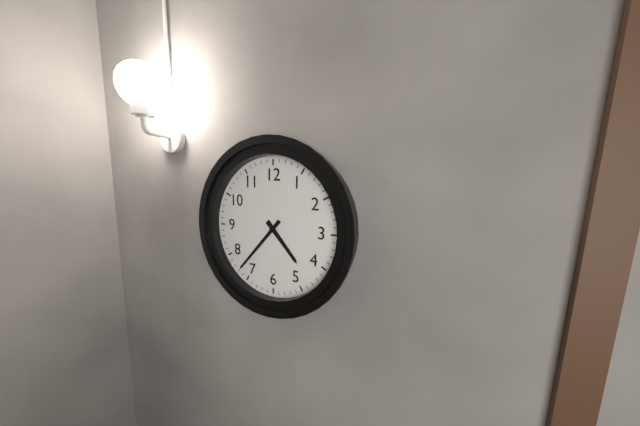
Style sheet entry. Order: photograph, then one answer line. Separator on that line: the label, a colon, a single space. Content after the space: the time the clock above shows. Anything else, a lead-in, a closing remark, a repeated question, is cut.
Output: 4:37
